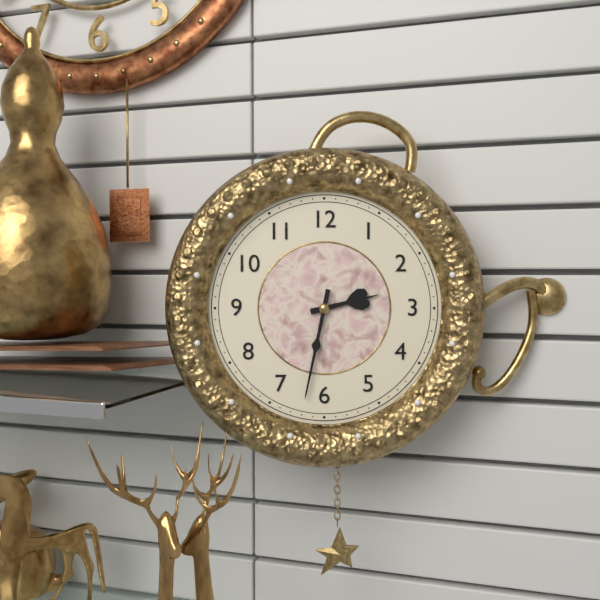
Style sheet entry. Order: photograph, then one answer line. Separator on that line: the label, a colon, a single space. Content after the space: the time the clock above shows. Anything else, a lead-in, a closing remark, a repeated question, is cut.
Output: 2:32
